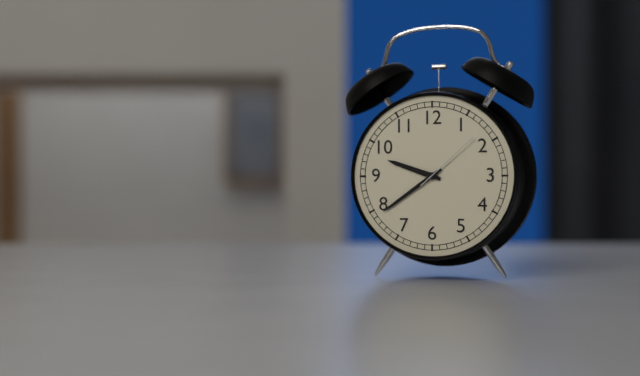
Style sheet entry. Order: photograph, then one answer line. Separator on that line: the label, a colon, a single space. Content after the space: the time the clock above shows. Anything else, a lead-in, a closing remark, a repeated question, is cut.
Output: 9:39:08
